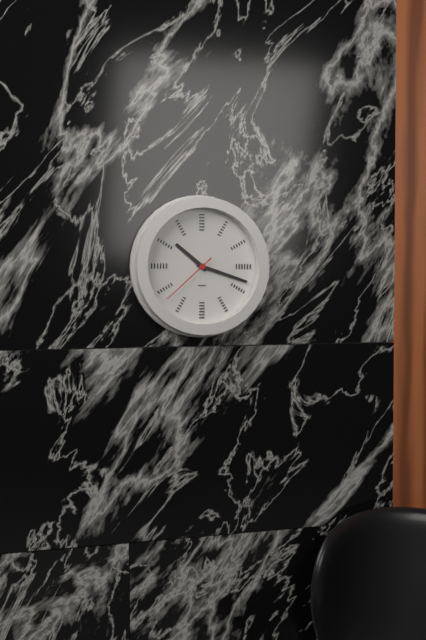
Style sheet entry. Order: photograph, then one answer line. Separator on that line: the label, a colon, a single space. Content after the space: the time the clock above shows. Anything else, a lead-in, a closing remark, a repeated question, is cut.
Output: 10:18:38
